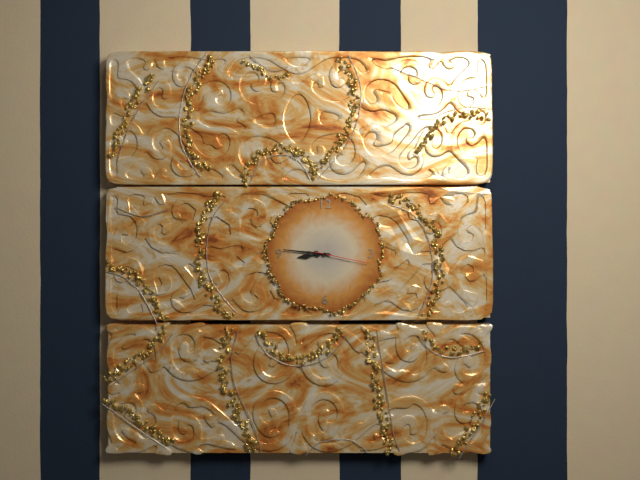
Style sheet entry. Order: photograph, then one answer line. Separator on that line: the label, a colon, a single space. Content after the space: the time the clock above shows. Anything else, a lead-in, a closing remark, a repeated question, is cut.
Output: 8:46:17
